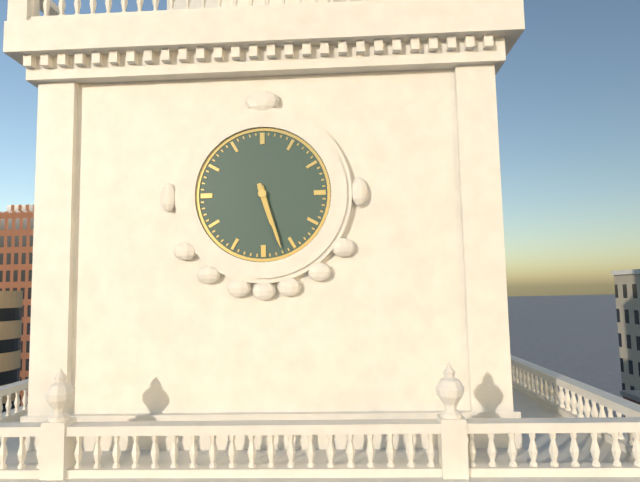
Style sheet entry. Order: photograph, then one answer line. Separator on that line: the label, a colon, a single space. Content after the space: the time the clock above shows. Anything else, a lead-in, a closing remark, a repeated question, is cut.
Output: 5:27
